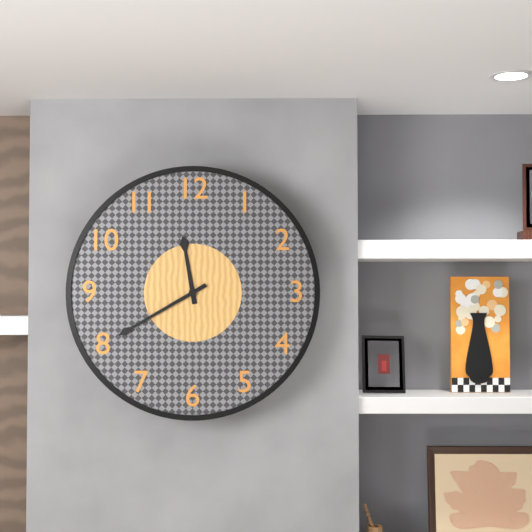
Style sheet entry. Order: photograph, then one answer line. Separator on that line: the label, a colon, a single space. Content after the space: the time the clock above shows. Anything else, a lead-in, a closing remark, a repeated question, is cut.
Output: 11:40
